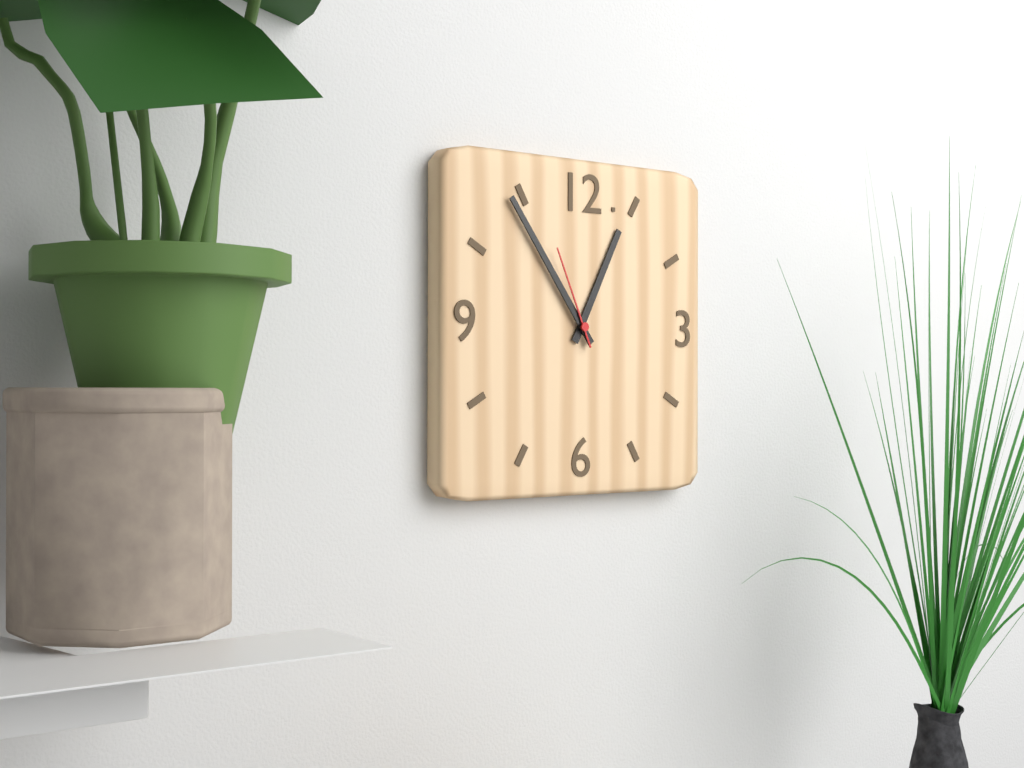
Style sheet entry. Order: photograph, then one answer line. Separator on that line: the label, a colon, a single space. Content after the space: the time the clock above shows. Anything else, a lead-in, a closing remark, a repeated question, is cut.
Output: 12:54:56
